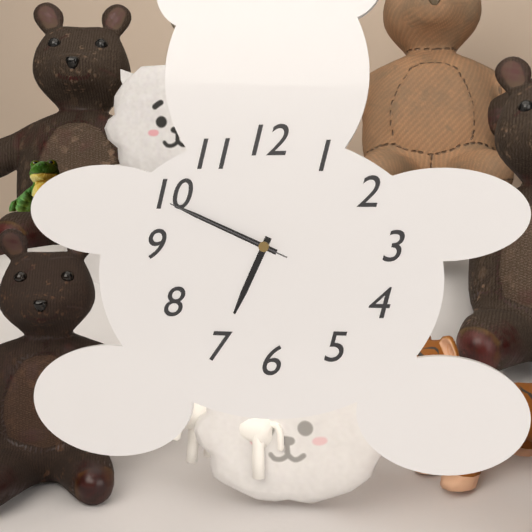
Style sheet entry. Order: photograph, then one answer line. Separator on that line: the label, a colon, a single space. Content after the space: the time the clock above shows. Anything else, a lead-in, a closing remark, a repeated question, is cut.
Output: 6:49:49
